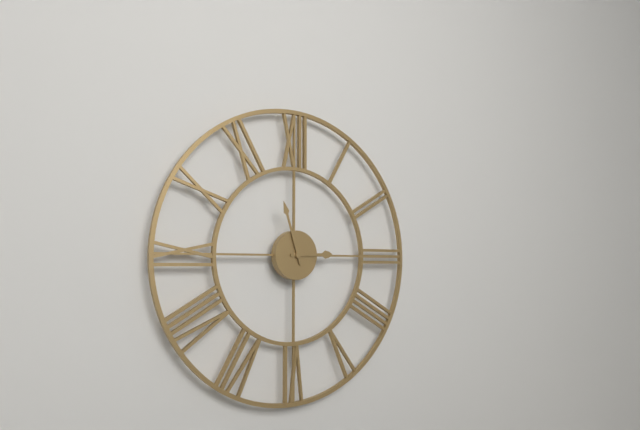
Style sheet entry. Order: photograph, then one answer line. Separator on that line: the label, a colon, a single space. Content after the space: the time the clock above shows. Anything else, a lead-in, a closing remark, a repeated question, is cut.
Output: 2:57
